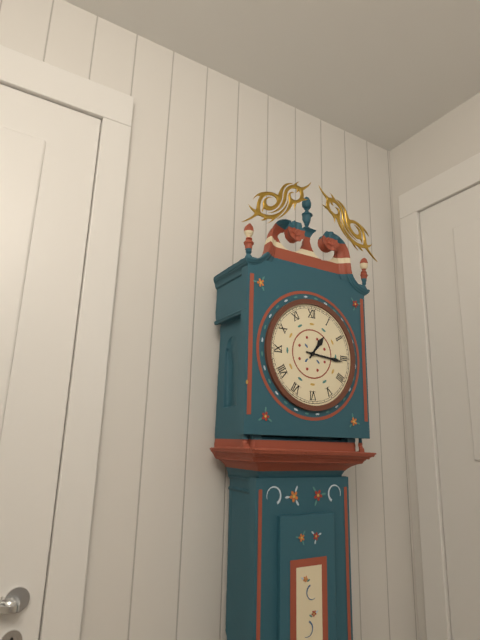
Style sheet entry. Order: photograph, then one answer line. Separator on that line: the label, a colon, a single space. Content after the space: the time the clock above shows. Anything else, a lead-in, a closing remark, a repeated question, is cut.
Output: 1:16
